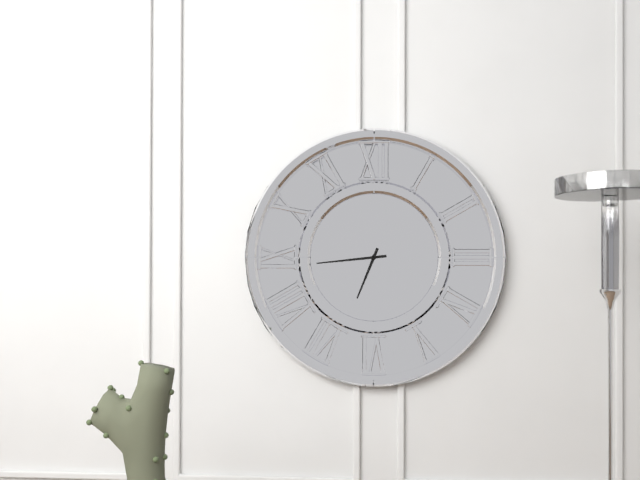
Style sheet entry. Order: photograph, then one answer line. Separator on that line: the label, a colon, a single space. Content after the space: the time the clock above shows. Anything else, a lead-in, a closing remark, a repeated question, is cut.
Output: 6:44
